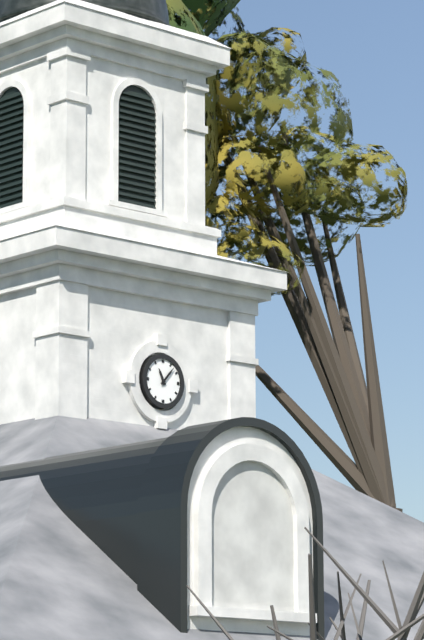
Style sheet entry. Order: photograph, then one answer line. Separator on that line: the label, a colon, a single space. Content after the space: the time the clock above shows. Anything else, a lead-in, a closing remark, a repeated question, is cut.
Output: 11:07
